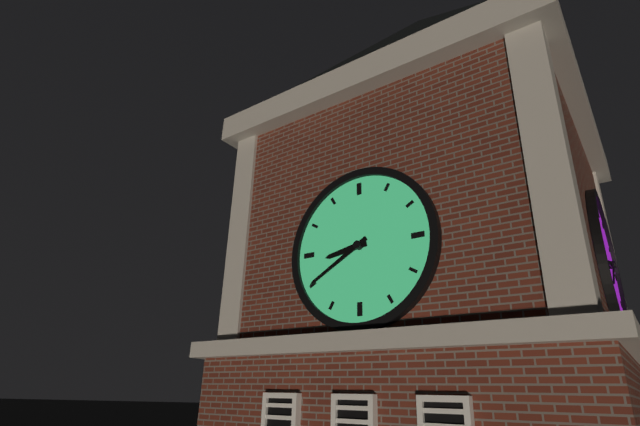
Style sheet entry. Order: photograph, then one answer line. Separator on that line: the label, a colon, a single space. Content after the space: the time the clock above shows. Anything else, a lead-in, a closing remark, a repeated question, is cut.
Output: 8:40
